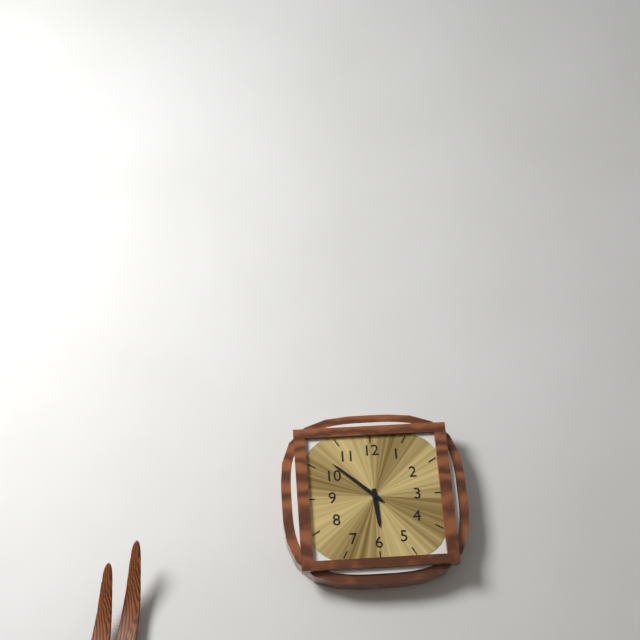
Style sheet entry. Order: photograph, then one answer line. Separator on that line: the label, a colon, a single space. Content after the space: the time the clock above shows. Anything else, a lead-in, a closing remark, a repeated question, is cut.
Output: 5:52
